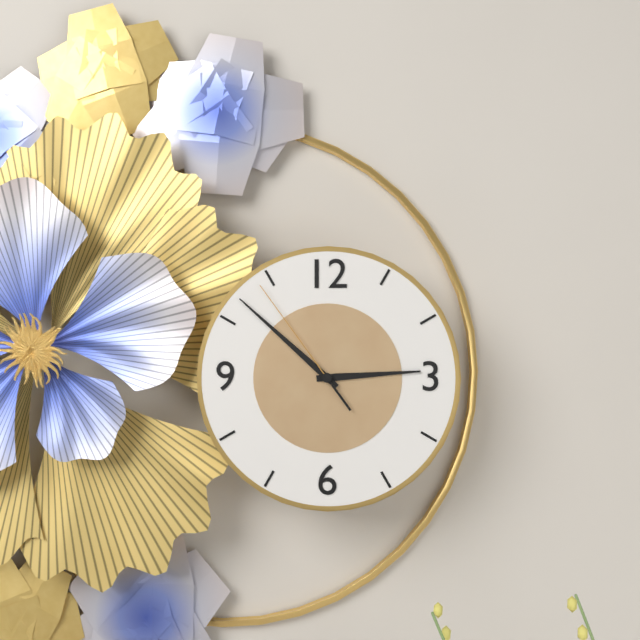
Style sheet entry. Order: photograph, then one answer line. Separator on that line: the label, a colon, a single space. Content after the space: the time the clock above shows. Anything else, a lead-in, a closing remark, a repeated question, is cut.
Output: 2:52:54
